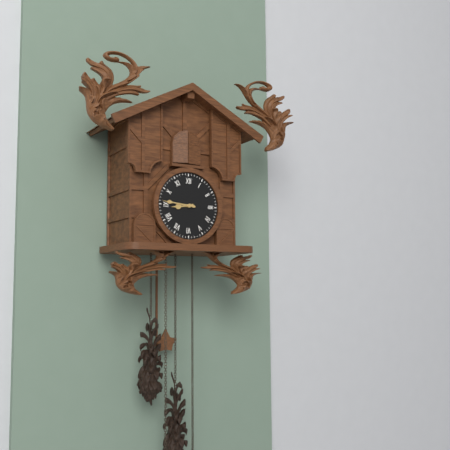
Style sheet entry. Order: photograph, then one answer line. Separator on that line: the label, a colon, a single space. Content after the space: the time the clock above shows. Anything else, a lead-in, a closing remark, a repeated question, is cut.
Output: 8:46
